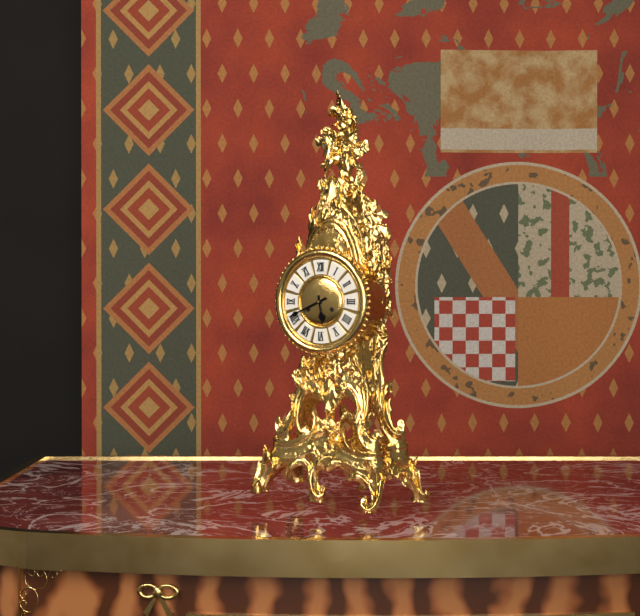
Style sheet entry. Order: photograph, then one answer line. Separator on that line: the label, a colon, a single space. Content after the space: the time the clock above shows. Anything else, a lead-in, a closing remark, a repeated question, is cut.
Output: 5:41
